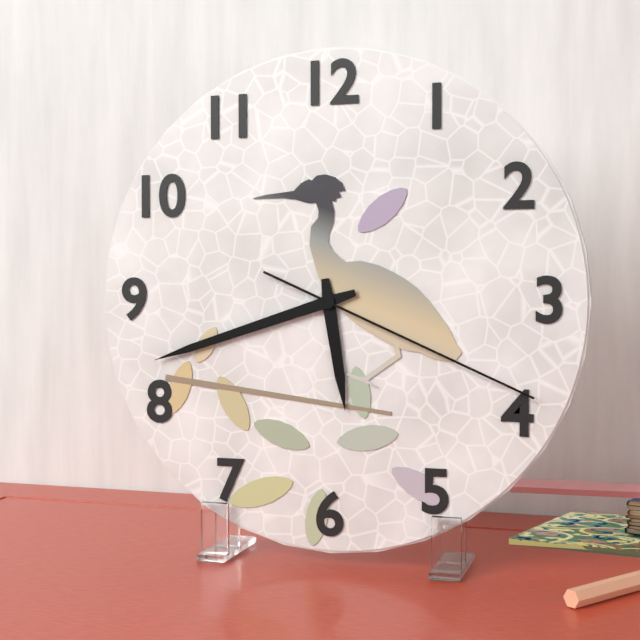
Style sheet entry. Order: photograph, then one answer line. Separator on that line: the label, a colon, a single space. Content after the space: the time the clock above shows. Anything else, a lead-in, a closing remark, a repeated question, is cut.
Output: 5:42:19
